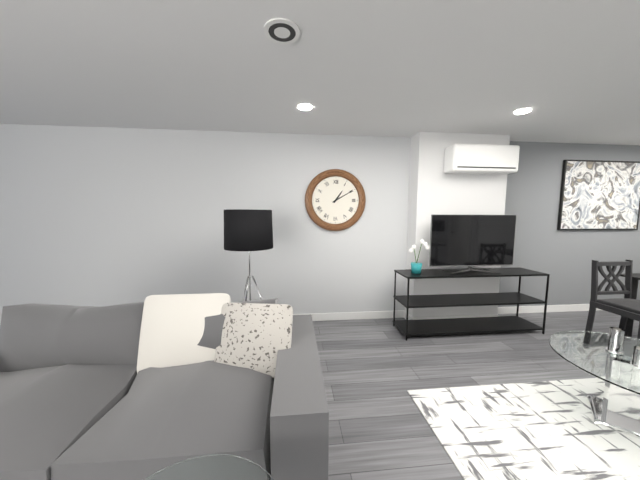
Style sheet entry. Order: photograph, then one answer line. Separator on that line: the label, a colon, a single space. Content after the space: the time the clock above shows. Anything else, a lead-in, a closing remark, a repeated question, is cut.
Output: 1:10
